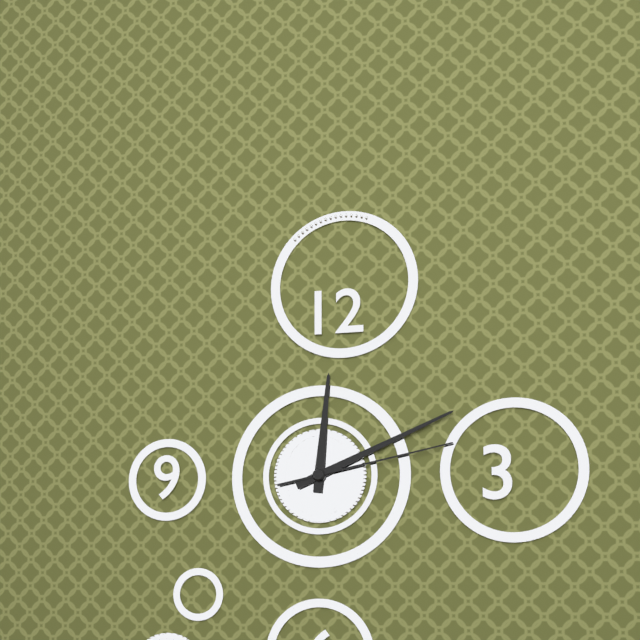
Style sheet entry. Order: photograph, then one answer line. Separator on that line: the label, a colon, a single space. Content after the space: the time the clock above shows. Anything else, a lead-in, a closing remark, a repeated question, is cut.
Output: 12:11:13
